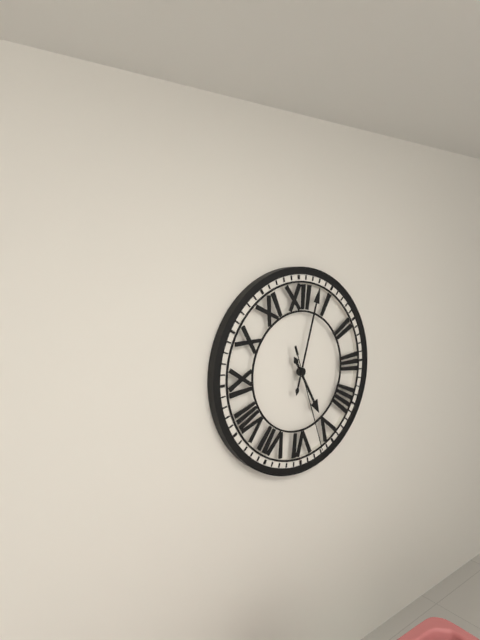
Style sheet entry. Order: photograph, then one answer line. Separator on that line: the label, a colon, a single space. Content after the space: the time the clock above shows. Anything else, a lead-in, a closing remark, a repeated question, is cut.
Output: 5:03:27
